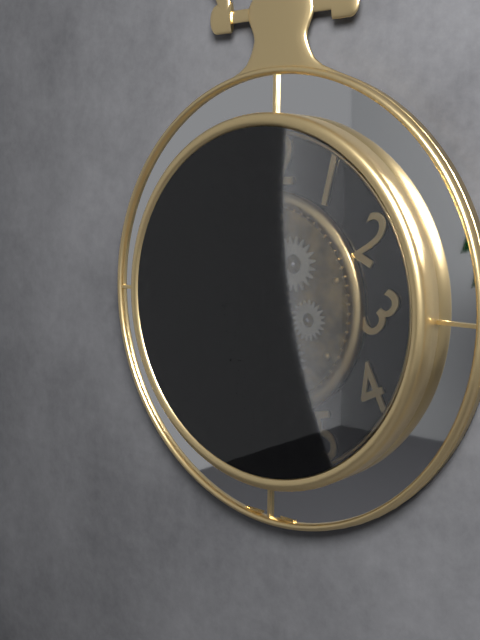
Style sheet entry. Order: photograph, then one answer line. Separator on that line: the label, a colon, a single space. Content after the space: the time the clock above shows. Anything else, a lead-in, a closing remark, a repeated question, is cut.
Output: 7:46
